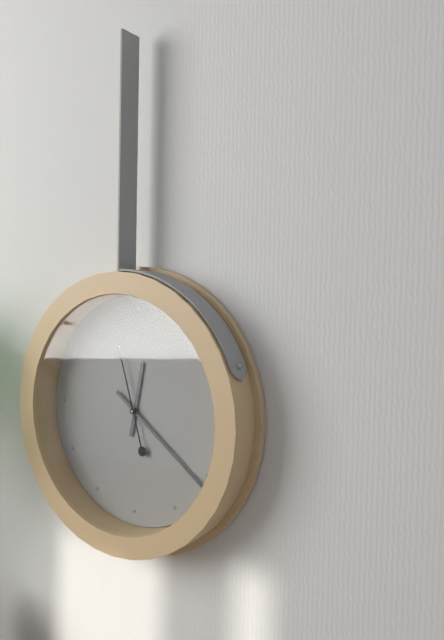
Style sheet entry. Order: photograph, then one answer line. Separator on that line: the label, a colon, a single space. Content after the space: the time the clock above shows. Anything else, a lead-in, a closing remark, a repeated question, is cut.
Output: 12:21:57
